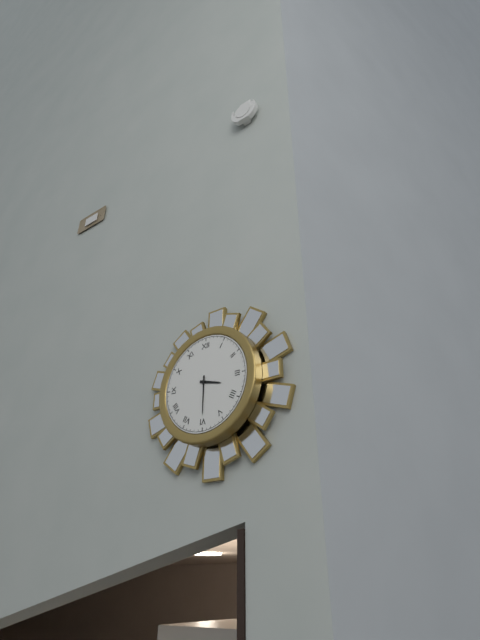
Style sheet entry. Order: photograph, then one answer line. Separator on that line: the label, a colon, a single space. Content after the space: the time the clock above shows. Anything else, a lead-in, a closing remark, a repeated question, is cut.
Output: 3:30
